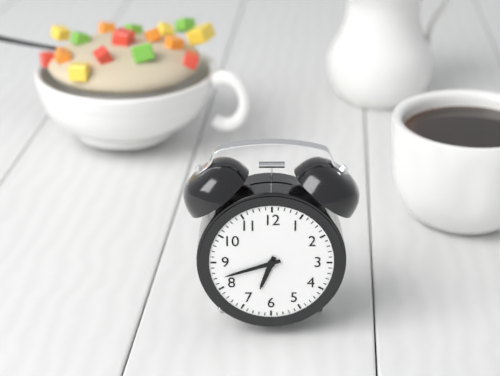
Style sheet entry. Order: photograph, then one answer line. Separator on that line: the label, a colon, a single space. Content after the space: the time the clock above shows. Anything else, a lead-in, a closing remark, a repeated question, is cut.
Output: 6:42
